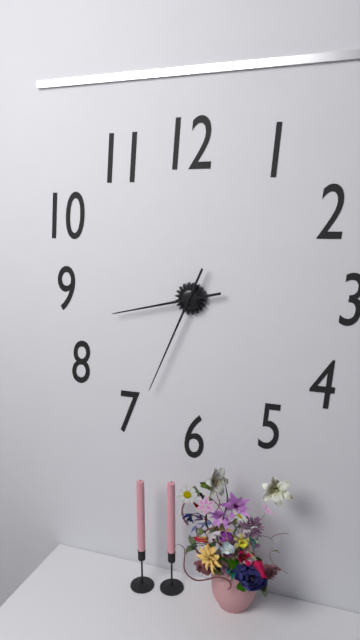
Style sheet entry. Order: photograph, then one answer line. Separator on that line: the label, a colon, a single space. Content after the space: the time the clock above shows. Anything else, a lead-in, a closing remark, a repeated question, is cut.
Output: 8:34
